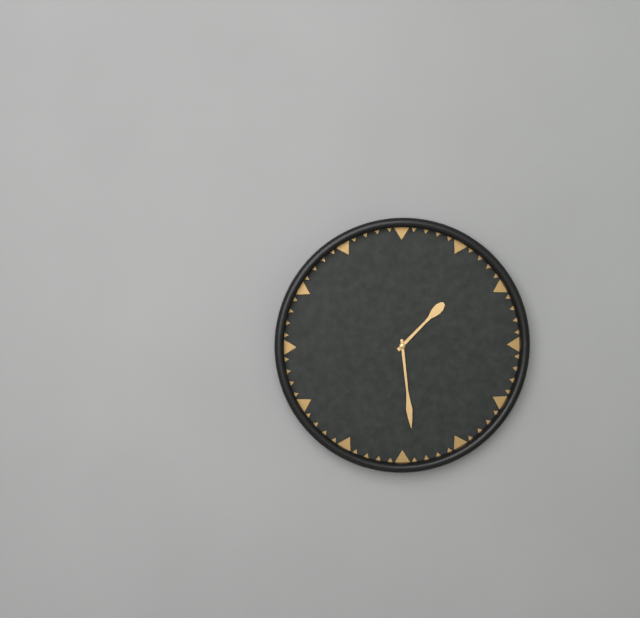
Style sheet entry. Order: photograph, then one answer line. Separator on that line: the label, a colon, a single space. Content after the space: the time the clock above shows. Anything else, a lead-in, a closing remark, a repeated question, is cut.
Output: 1:29
